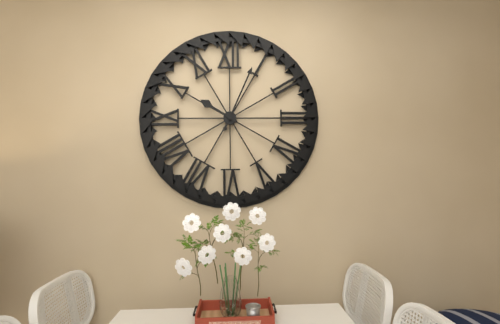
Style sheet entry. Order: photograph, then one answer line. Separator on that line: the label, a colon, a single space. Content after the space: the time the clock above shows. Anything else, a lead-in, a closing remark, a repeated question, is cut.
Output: 10:04
